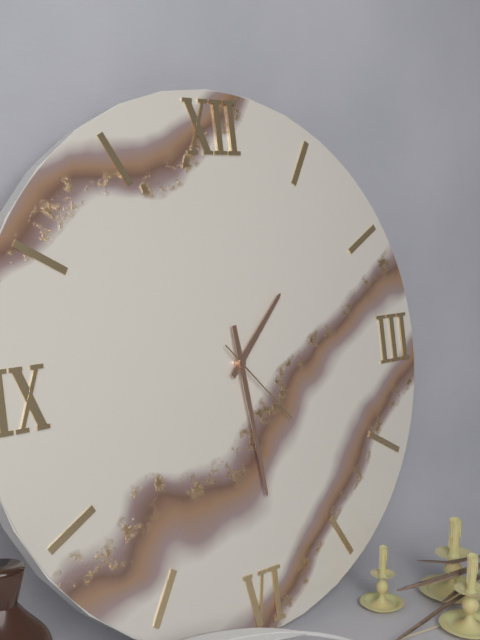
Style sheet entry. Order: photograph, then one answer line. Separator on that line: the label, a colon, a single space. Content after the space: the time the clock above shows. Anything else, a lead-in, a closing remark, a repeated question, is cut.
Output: 1:29:23
